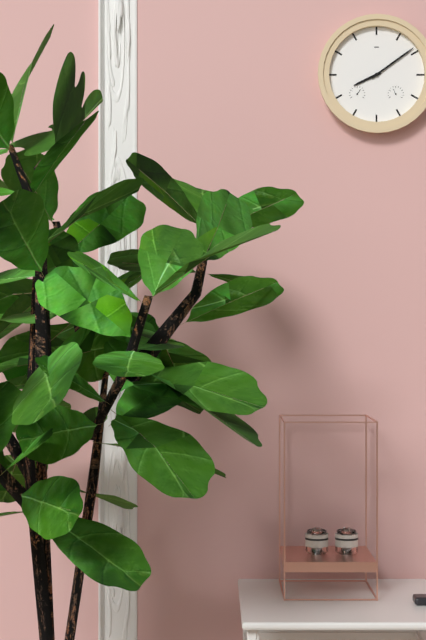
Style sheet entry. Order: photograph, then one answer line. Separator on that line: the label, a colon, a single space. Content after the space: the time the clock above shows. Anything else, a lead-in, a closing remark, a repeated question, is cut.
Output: 8:09
